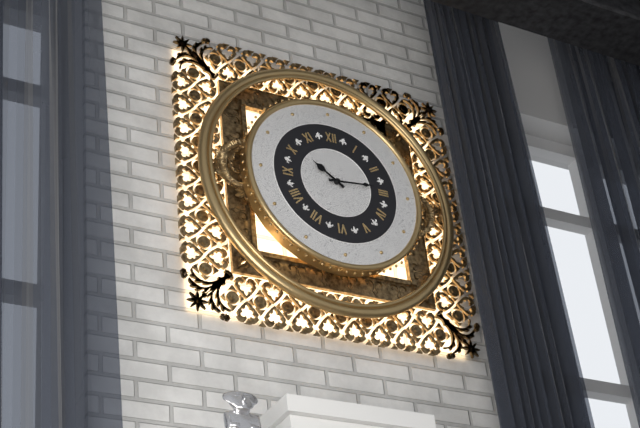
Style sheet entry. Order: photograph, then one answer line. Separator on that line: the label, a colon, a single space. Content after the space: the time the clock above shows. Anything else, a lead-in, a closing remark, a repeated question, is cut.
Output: 10:14
